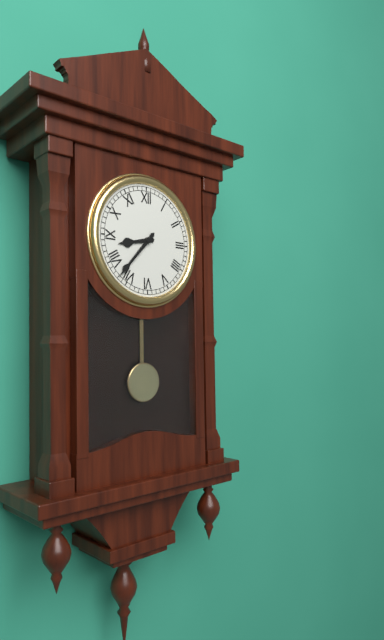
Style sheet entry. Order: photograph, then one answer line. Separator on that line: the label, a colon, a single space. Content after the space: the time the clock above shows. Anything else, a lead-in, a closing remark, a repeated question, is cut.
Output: 8:37
